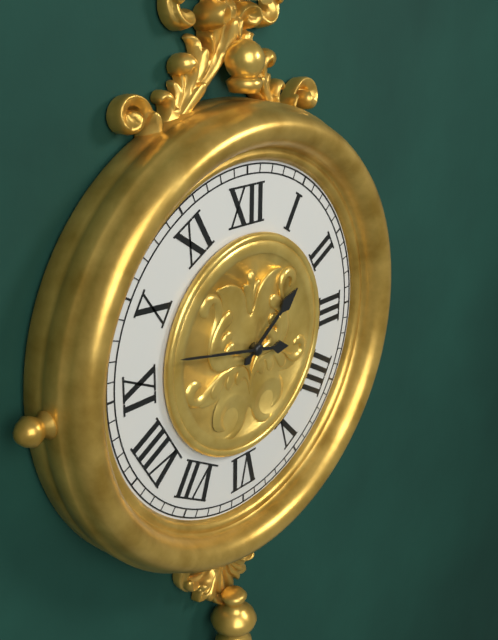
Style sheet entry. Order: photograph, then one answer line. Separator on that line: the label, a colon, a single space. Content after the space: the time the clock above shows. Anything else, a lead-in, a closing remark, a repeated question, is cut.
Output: 1:47
